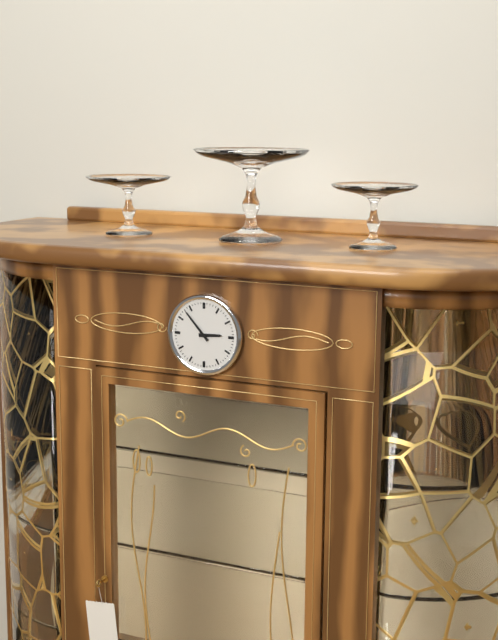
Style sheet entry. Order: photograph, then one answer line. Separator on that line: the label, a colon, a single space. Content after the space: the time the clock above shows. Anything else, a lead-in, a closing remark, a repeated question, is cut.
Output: 2:53
